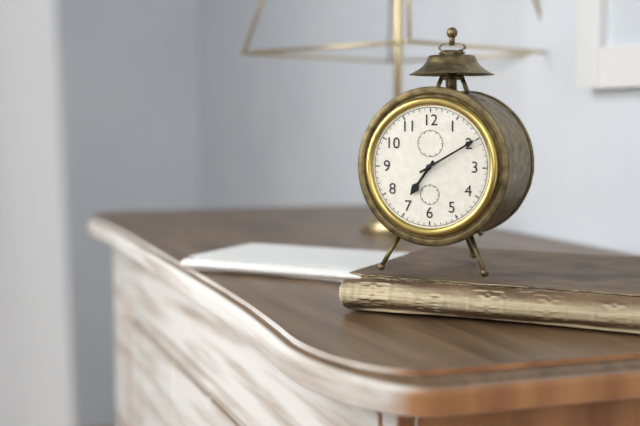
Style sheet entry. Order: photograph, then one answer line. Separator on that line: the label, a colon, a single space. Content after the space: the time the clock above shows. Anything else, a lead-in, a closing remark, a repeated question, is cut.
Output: 7:10
